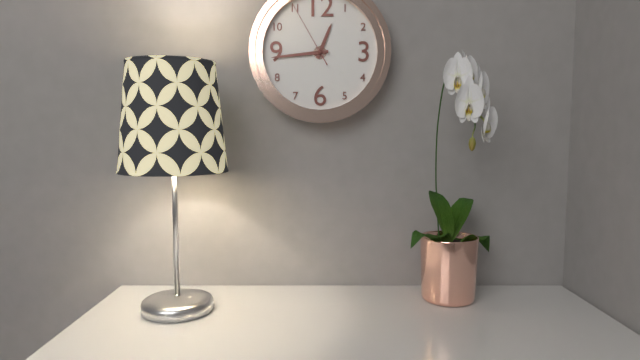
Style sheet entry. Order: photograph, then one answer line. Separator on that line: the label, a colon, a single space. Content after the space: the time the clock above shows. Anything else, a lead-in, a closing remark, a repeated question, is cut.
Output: 12:44:55
